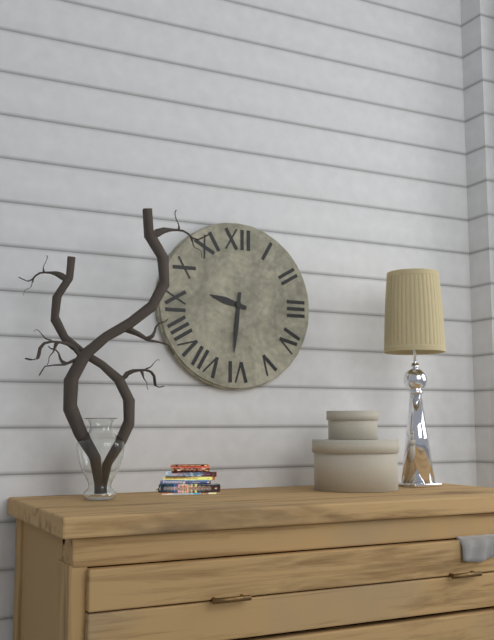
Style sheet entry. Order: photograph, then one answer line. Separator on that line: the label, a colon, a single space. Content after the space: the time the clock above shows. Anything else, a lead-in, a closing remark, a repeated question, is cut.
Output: 9:31
